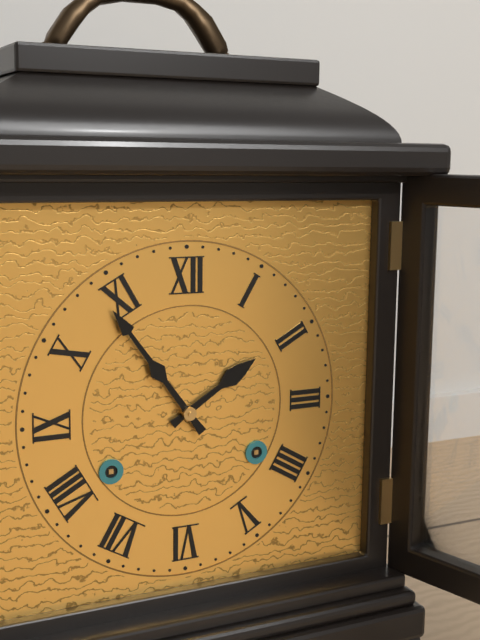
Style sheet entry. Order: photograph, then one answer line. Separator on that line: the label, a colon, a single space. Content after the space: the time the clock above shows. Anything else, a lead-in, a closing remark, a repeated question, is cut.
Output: 1:54
